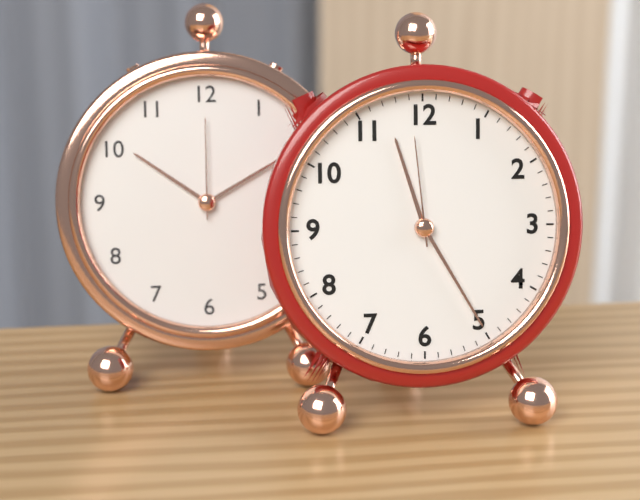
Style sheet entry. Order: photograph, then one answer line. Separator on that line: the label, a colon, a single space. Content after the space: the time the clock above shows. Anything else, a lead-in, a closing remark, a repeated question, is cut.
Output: 11:25:59
